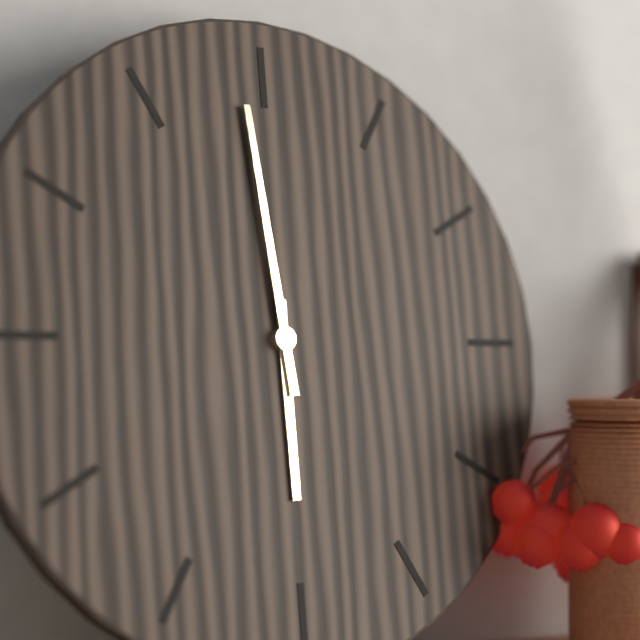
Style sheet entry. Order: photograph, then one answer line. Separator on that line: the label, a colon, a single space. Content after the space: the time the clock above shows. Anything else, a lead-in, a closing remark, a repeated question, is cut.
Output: 5:59
